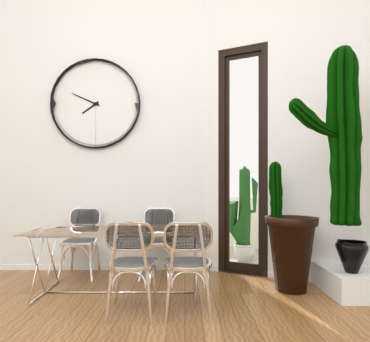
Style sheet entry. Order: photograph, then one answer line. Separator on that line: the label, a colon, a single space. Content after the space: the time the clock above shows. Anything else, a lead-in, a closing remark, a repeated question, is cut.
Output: 7:49
